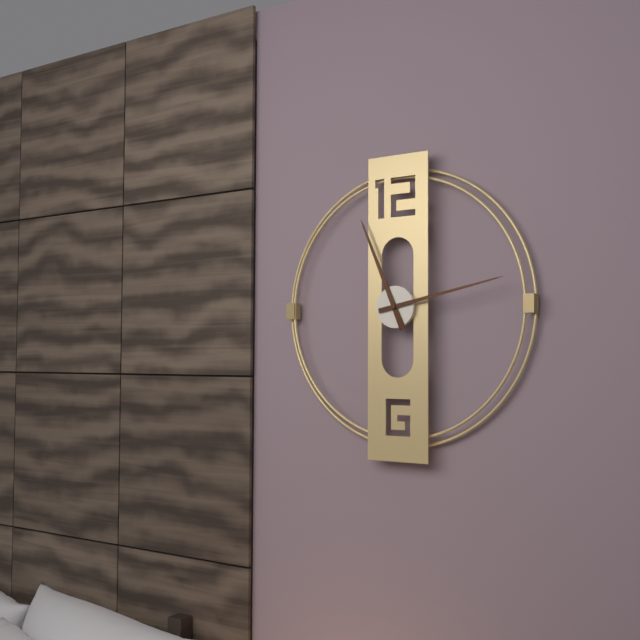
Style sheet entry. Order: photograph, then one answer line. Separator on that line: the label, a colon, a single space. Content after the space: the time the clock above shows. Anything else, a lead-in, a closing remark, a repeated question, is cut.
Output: 11:13
